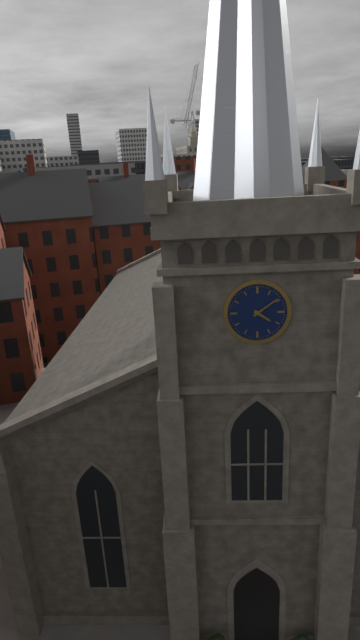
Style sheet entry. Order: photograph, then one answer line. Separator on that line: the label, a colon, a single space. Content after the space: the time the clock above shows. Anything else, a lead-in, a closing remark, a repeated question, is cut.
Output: 4:09
